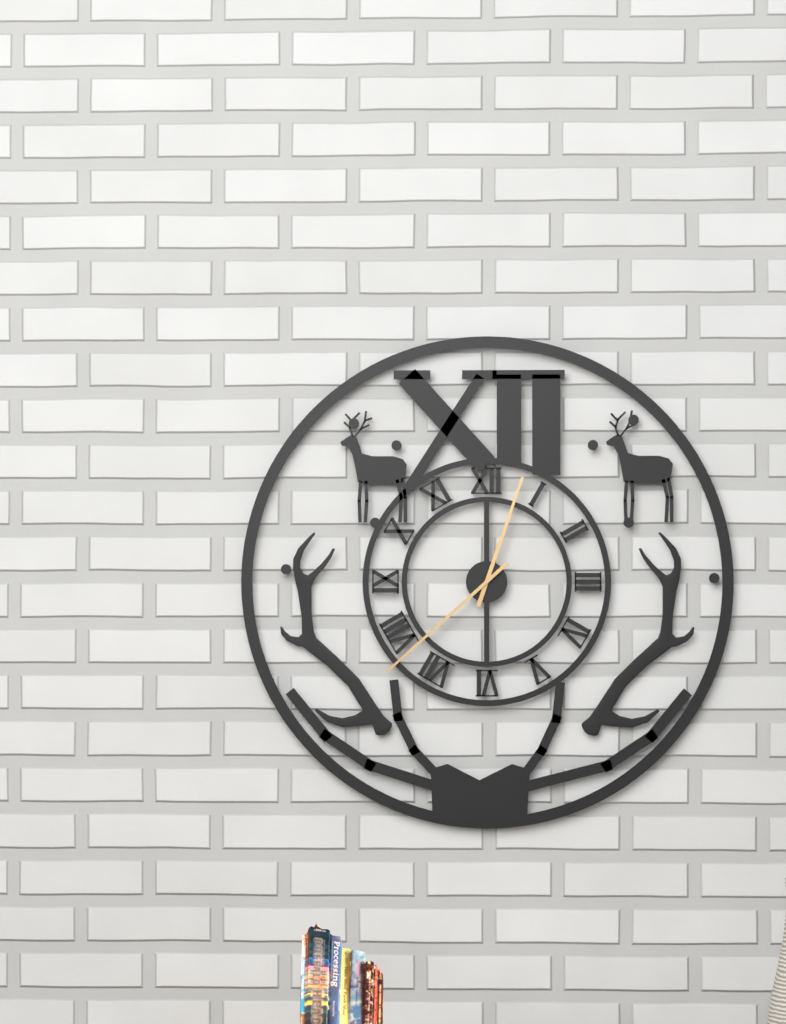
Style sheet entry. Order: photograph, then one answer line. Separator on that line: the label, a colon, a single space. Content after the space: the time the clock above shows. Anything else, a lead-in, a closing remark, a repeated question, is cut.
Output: 12:38
